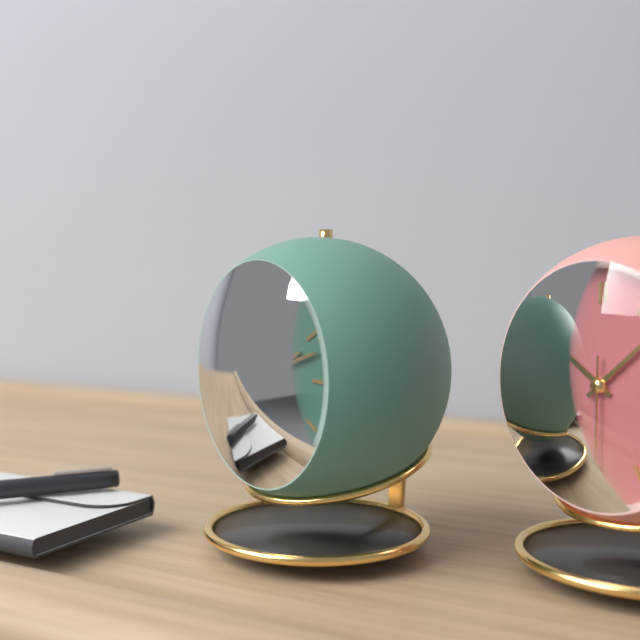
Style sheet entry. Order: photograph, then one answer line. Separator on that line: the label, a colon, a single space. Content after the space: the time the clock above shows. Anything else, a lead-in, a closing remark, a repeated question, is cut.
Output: 2:12:40
